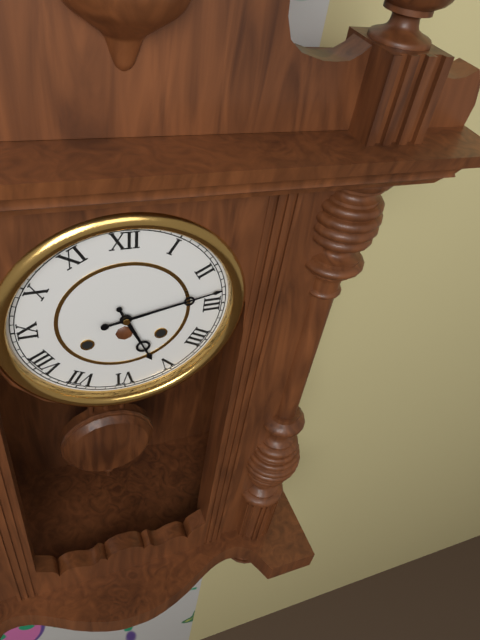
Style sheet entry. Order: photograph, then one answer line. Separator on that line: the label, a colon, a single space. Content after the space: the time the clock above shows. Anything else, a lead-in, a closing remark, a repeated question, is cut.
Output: 5:13
